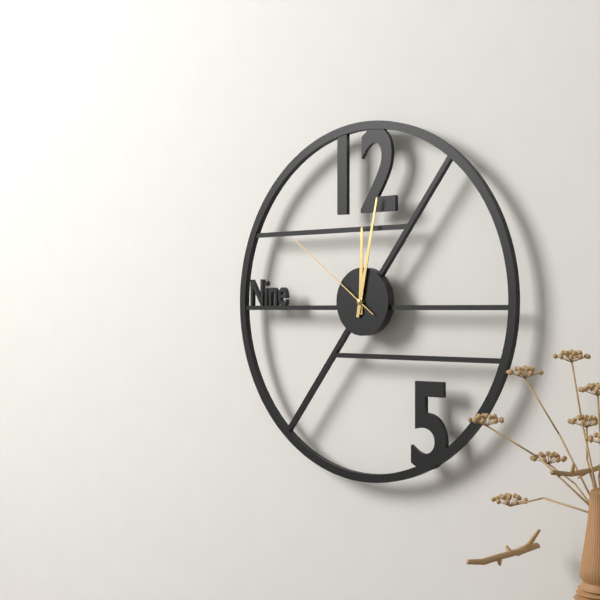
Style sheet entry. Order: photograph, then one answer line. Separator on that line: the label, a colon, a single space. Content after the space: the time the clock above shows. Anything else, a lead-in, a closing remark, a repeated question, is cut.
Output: 12:02:51
